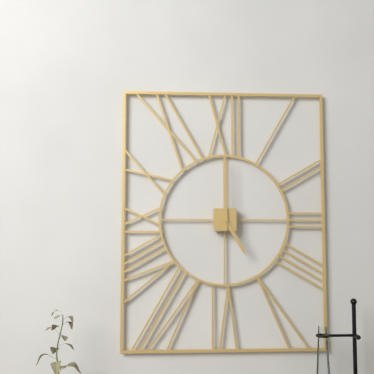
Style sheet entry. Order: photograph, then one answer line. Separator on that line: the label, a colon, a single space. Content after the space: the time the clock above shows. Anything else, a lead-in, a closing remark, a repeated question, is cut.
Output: 5:00
